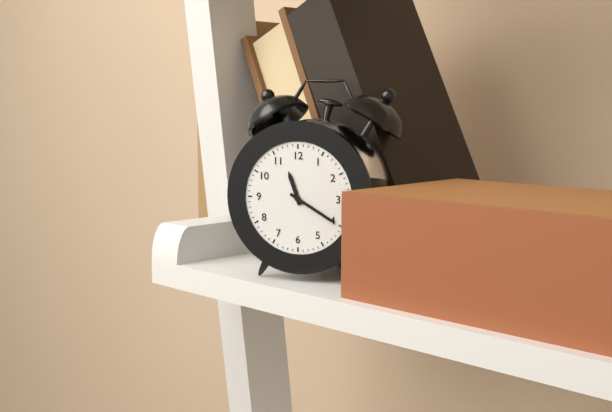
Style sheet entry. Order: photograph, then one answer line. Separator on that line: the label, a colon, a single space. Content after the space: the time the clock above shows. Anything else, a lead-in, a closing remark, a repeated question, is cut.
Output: 11:20
